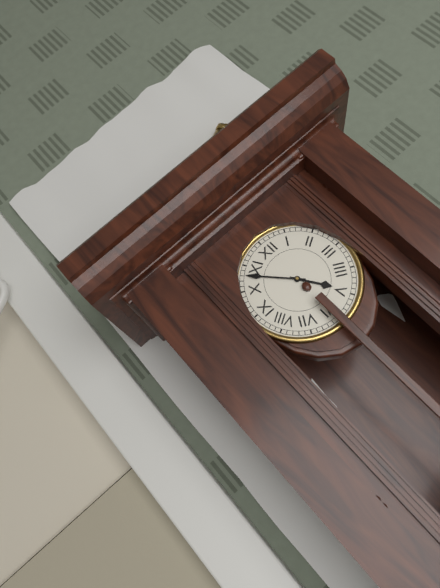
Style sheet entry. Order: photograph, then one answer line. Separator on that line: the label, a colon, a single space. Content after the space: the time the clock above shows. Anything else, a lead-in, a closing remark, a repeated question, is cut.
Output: 4:53
